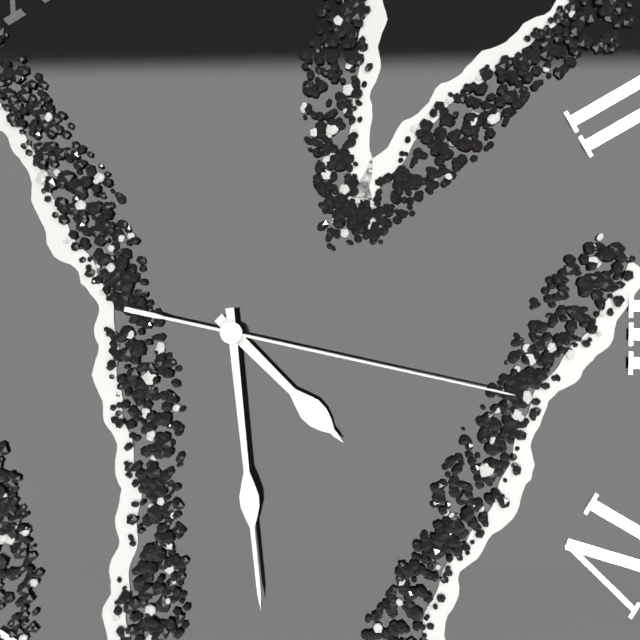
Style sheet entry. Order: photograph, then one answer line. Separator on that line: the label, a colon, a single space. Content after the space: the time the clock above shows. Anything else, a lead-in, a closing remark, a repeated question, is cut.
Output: 4:29:17
